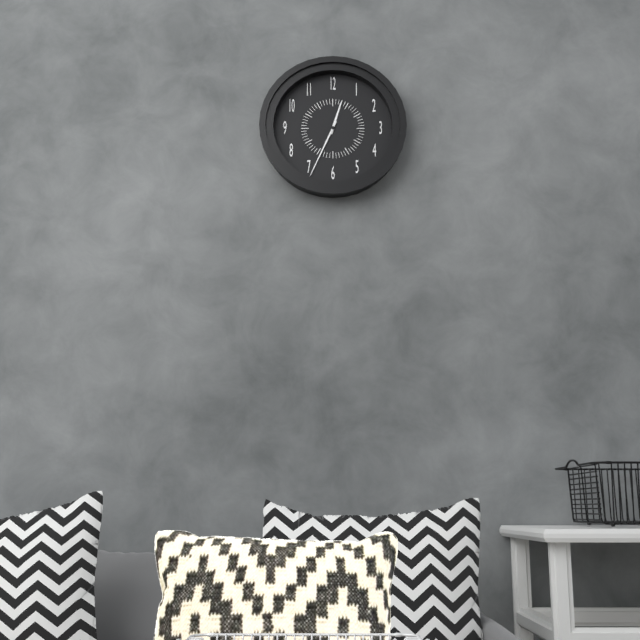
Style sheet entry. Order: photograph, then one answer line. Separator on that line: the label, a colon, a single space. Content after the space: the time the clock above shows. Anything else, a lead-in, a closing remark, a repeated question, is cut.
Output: 12:34
